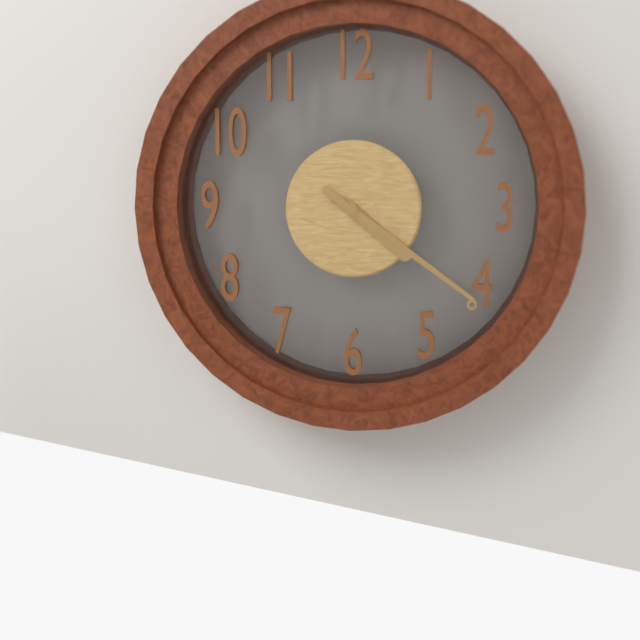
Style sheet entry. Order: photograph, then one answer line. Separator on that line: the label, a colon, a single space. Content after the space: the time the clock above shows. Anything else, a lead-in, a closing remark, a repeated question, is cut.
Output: 4:21
